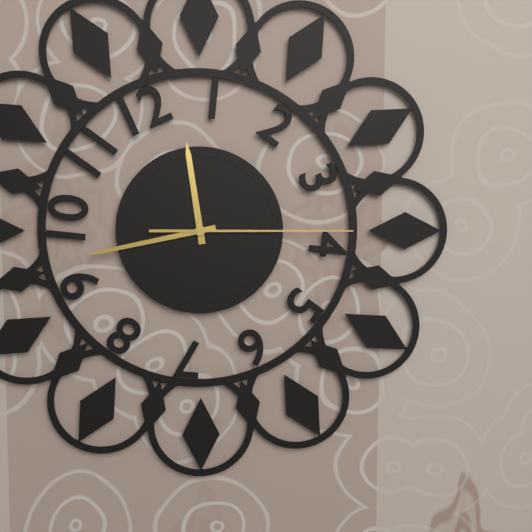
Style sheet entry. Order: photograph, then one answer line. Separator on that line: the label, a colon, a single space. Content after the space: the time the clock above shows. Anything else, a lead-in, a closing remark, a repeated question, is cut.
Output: 11:43:15
